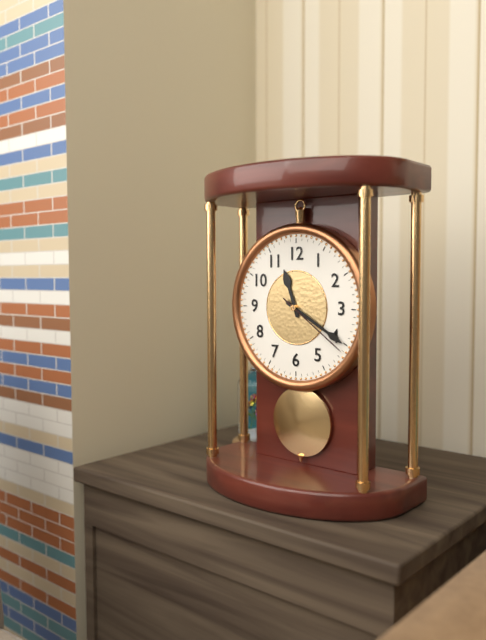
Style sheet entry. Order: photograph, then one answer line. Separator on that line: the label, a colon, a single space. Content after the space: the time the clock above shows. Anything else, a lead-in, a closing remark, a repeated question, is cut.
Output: 11:20:21
